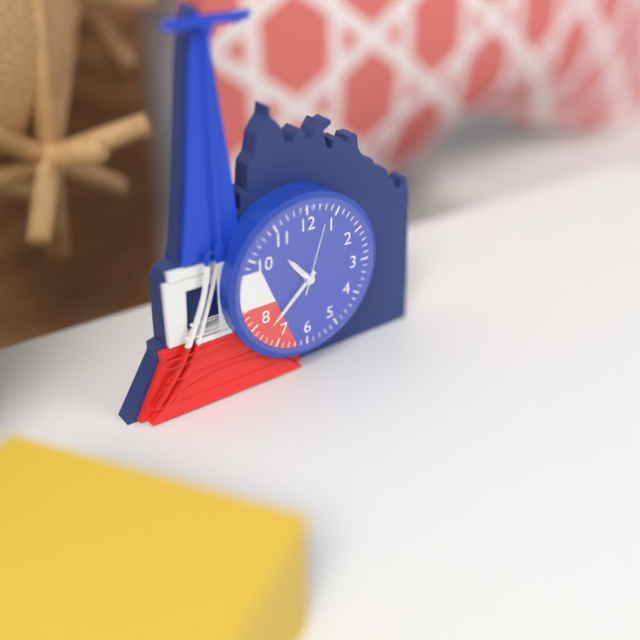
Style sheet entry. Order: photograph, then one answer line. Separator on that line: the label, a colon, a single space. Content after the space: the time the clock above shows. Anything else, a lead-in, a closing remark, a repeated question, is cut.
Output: 10:38:03
